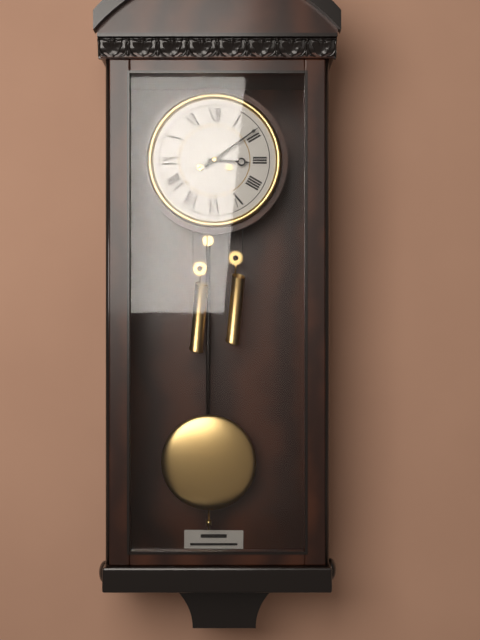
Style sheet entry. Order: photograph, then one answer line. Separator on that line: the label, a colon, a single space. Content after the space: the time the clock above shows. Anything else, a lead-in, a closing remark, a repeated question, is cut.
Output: 3:09
